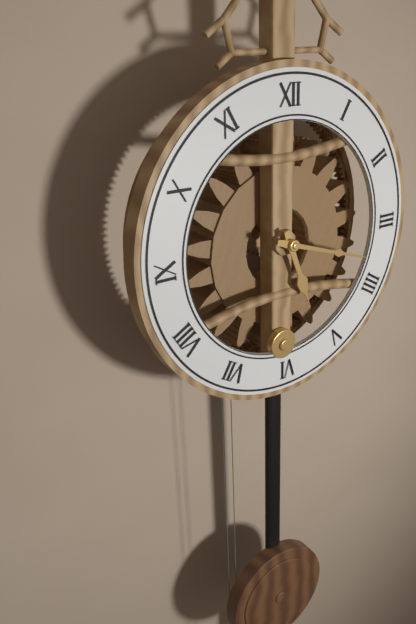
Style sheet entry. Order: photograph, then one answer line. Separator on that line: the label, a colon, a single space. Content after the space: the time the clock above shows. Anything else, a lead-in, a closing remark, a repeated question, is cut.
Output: 5:18
